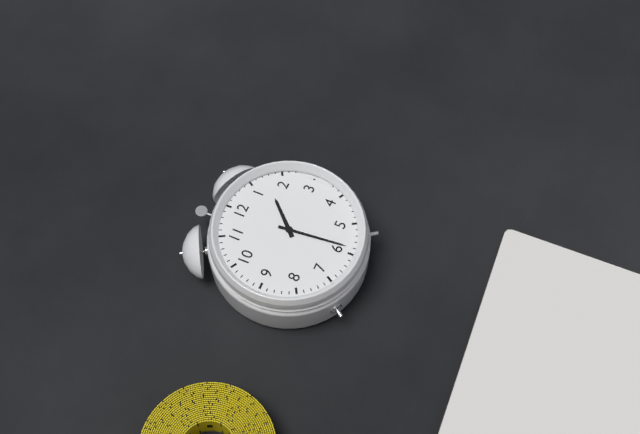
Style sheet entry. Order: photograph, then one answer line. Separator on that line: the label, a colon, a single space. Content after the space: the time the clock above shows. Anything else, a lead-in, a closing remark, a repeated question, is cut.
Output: 1:29
